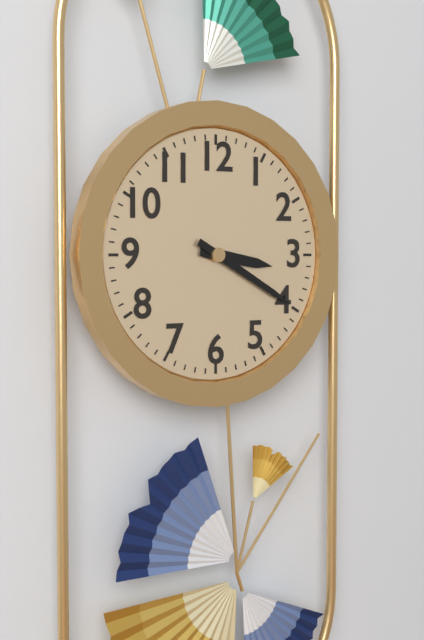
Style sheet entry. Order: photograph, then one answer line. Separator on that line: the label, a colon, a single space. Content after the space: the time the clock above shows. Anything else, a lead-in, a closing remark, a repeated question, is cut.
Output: 3:20
